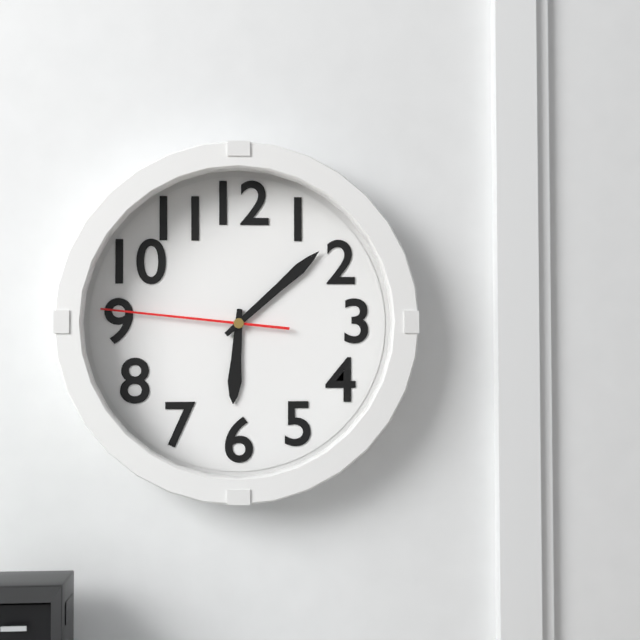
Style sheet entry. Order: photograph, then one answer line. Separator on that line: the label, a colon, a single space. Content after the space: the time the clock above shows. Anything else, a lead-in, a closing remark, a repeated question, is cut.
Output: 6:08:46
